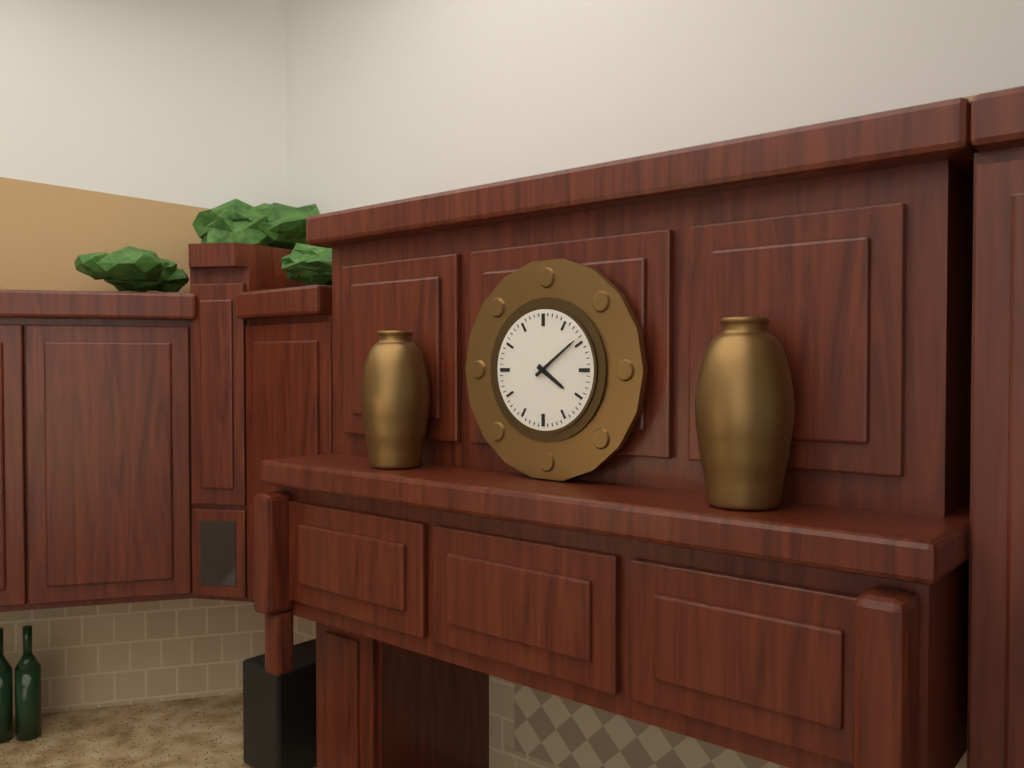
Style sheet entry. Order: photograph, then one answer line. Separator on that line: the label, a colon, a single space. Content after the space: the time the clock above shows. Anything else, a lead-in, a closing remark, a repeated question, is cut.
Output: 4:09
